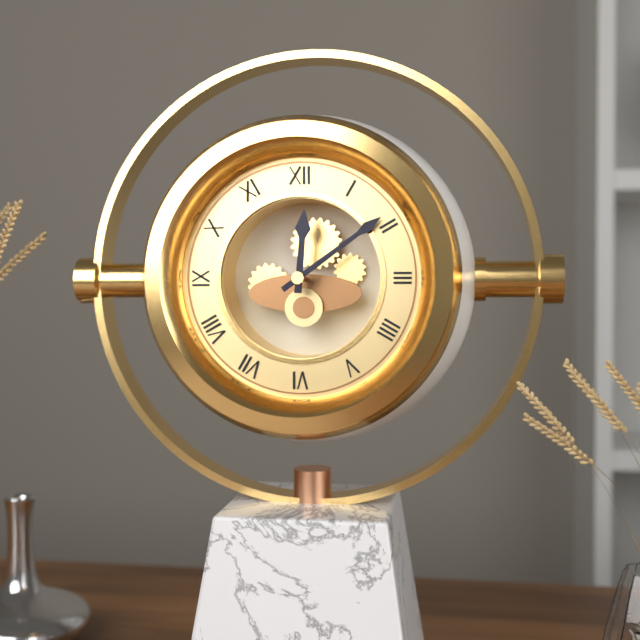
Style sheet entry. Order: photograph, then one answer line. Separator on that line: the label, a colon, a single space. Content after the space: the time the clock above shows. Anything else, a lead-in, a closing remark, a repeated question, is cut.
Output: 12:09
